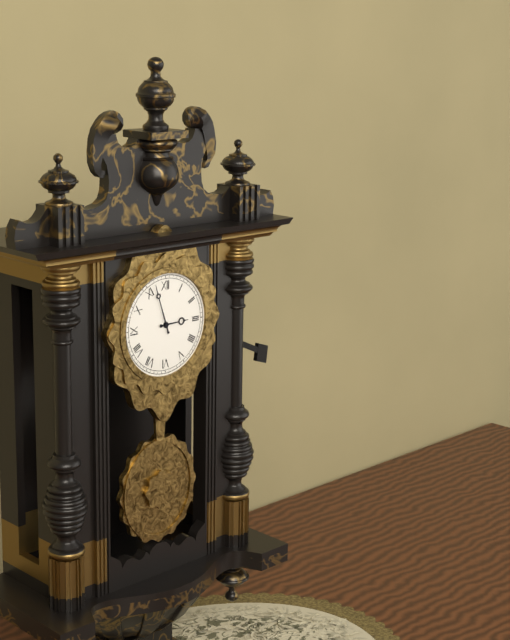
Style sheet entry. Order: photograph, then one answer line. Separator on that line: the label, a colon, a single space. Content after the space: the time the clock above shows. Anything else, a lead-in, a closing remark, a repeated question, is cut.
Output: 2:57
